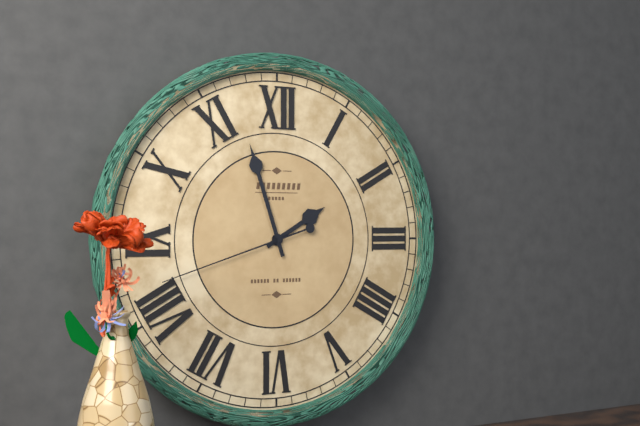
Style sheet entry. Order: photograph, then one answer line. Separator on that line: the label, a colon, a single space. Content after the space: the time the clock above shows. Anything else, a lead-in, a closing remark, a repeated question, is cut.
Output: 1:57:42
